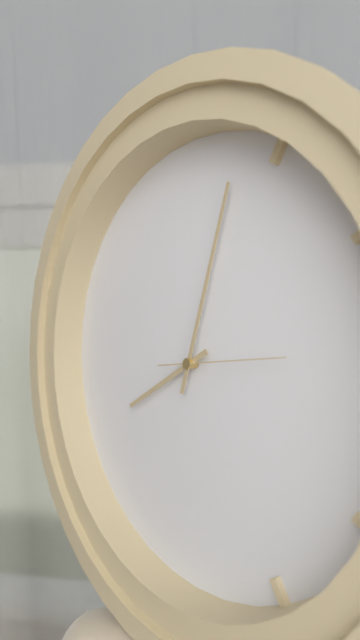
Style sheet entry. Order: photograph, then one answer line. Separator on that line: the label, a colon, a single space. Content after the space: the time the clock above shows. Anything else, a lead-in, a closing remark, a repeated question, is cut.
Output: 8:03:14
